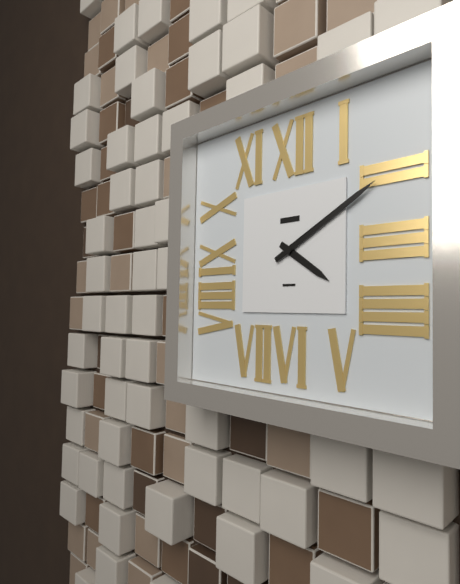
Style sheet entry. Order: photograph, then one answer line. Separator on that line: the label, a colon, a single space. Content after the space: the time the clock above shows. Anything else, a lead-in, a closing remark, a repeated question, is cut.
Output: 4:10
